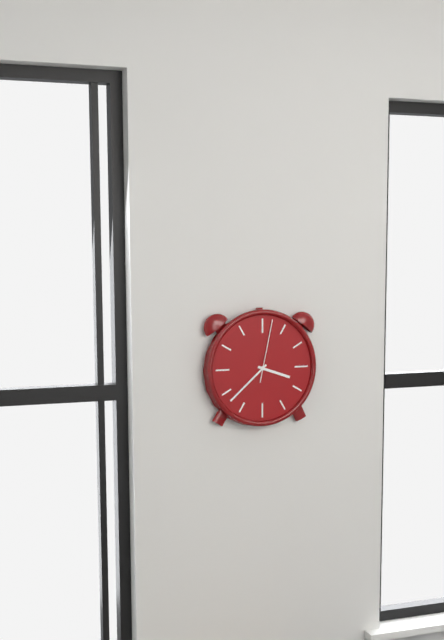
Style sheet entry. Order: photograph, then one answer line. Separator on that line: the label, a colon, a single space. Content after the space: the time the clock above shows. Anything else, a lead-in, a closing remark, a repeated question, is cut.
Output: 3:38:02
